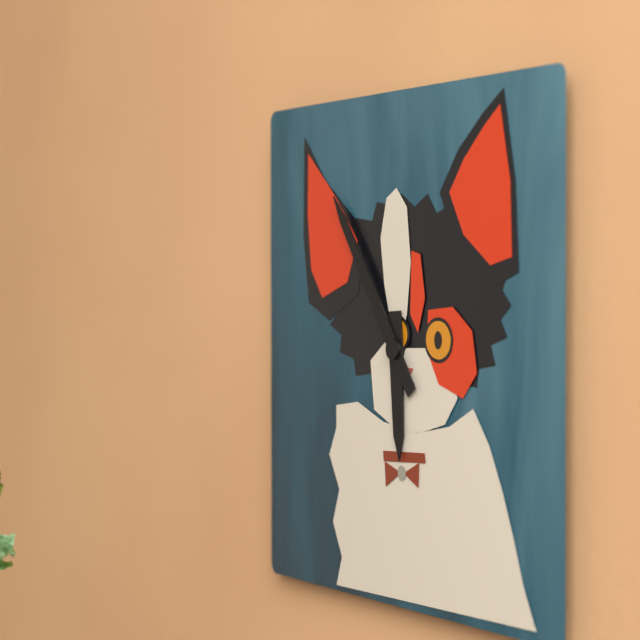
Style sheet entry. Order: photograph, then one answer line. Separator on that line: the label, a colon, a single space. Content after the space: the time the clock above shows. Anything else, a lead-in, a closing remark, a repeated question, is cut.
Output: 5:54
